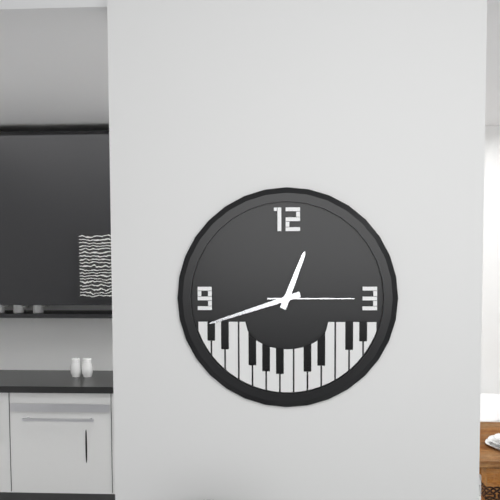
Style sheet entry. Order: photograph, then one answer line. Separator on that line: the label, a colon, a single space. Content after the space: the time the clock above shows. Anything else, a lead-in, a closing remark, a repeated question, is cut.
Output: 12:42:15
